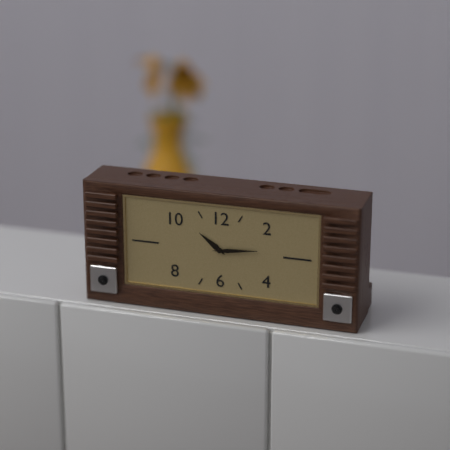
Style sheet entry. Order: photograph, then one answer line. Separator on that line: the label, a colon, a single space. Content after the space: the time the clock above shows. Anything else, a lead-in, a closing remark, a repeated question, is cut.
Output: 10:14
